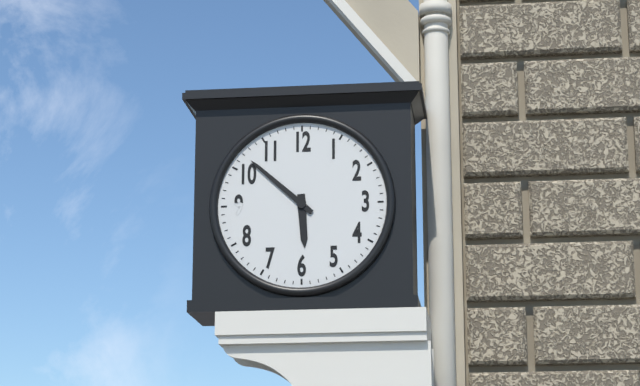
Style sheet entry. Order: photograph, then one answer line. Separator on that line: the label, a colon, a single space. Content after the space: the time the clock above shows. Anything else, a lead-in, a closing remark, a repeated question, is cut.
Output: 5:52
